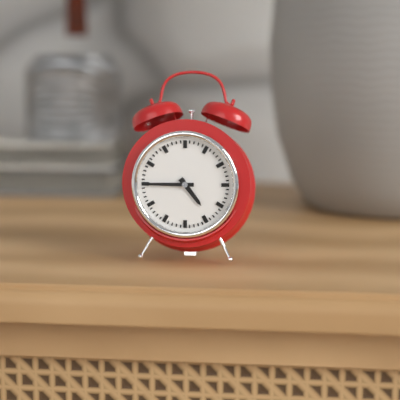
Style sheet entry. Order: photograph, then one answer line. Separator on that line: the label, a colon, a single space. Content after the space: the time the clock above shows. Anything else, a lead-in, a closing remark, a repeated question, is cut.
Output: 4:45
